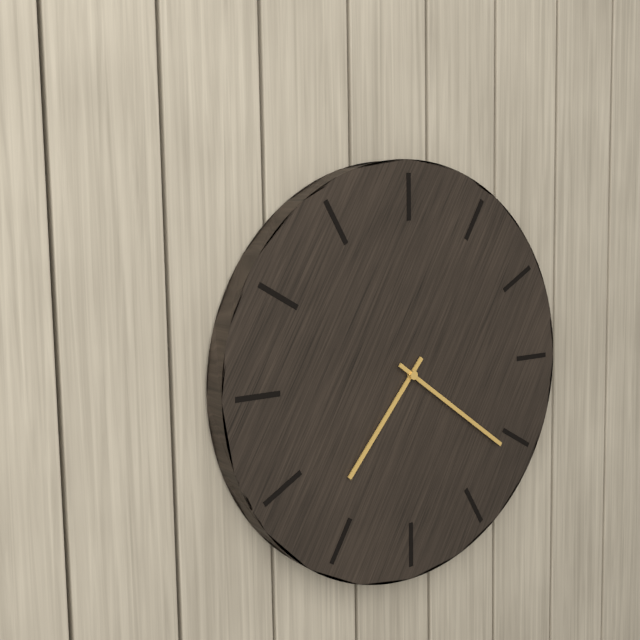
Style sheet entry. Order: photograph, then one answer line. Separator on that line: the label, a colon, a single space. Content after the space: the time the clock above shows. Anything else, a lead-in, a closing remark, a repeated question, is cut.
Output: 7:21
